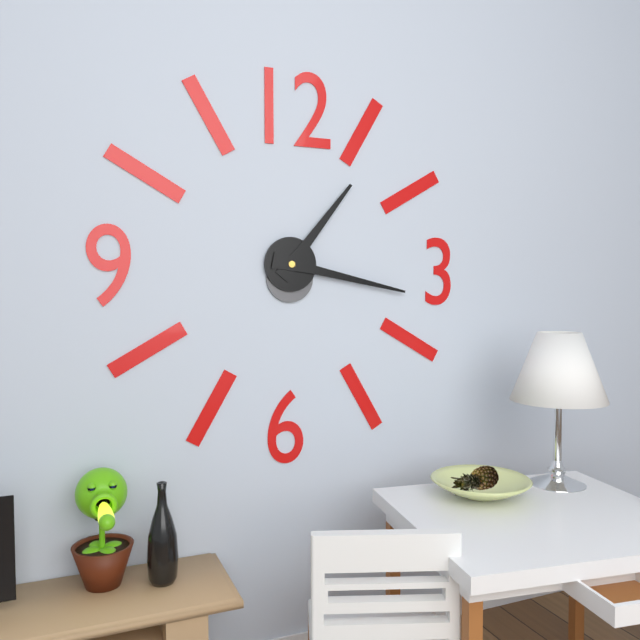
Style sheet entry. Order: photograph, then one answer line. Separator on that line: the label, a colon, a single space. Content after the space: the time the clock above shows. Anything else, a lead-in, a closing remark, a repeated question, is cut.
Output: 1:17
